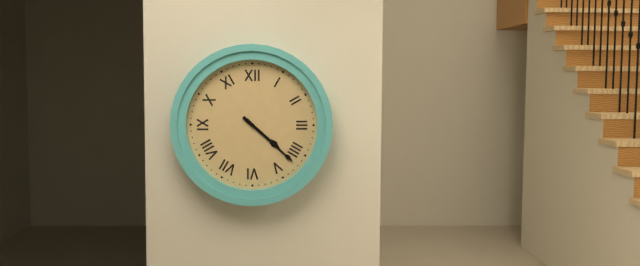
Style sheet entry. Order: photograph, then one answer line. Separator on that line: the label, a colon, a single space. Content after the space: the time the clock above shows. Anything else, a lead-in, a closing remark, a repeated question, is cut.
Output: 4:22
